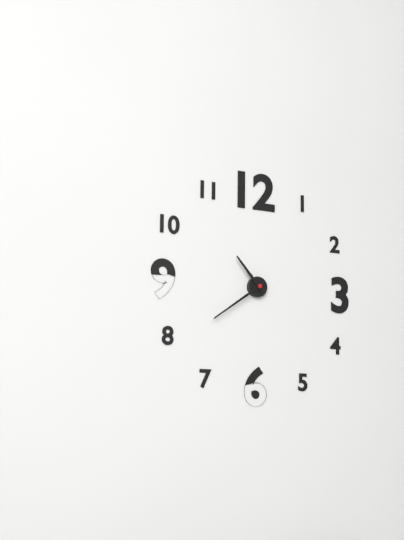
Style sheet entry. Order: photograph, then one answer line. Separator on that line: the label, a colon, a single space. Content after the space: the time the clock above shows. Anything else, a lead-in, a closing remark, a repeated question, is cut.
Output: 10:39
